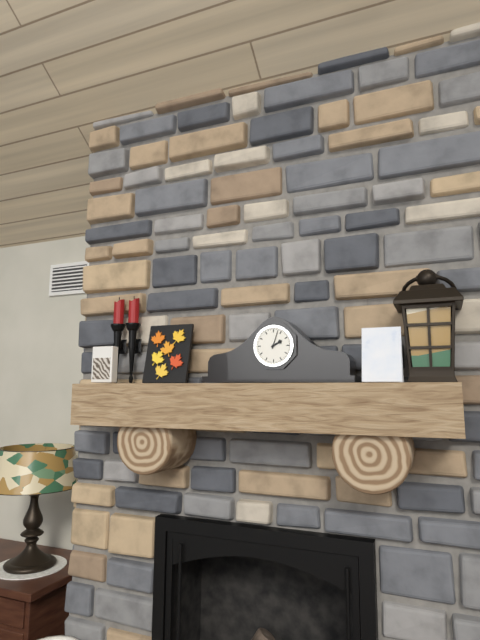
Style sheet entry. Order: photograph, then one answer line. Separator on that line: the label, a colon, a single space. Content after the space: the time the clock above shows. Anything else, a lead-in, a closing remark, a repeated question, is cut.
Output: 2:03
